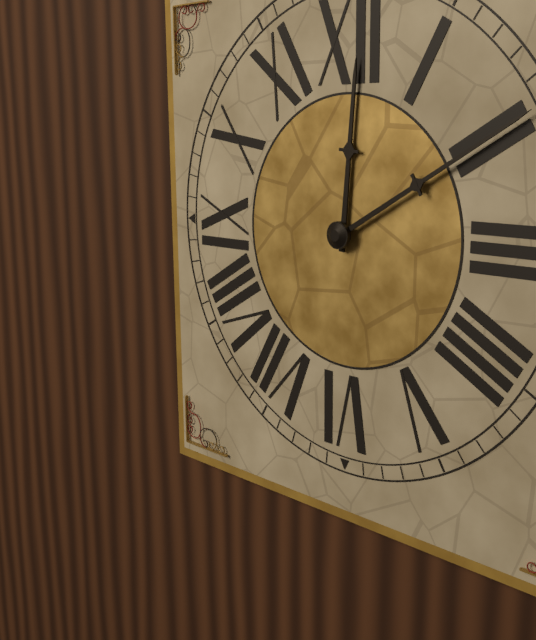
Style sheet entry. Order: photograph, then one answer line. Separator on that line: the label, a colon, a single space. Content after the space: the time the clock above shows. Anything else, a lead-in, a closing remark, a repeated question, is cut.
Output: 12:10
